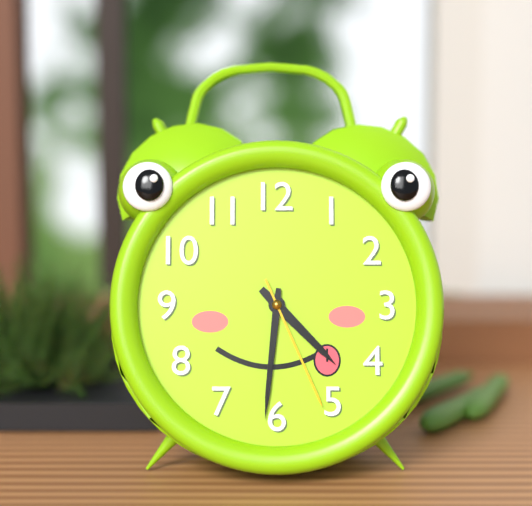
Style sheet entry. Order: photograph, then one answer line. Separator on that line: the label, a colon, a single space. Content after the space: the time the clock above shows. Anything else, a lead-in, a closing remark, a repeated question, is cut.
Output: 4:31:26
